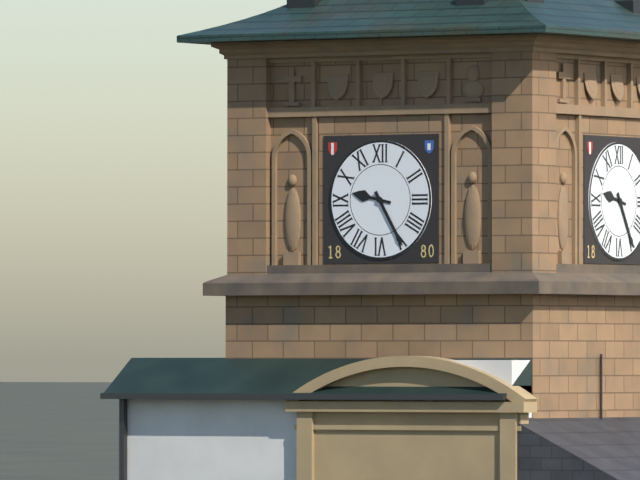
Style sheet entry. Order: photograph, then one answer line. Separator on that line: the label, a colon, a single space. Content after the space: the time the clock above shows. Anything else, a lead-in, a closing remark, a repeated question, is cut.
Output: 9:25
